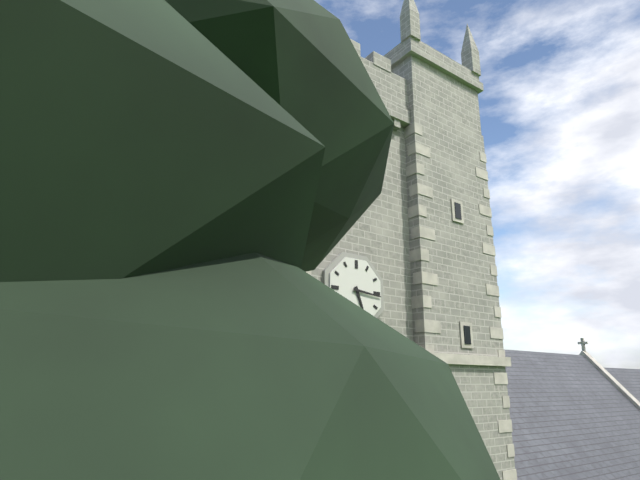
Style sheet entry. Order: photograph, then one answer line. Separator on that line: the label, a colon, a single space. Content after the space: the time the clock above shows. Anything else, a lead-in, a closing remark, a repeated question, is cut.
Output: 5:16
